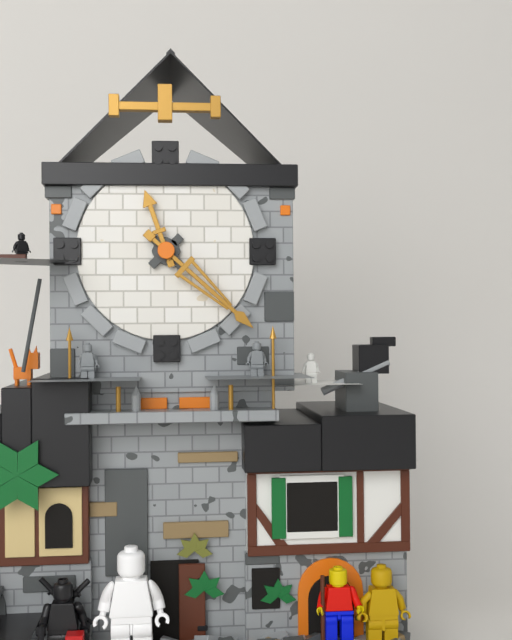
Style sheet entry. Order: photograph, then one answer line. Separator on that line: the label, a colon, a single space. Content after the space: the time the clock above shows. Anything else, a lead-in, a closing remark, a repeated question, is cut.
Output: 11:22
